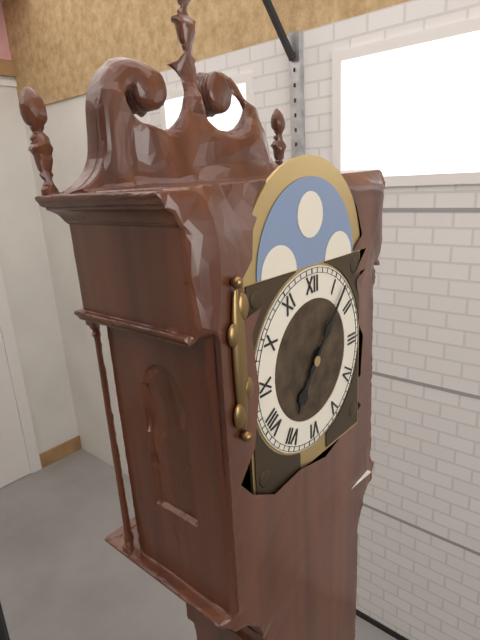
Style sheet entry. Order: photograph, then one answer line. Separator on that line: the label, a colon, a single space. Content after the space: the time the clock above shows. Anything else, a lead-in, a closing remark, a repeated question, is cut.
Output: 7:07
